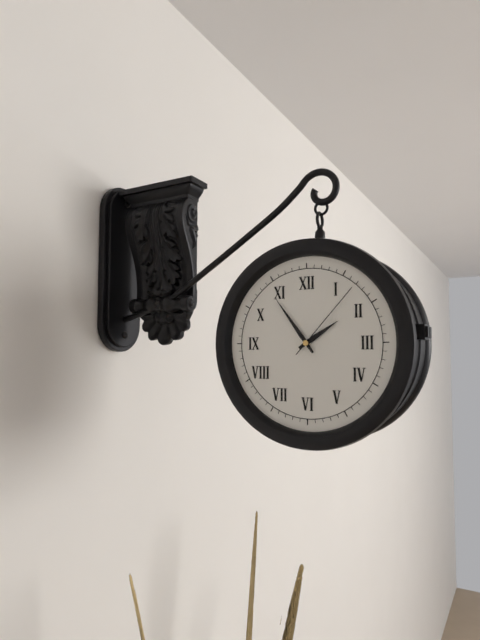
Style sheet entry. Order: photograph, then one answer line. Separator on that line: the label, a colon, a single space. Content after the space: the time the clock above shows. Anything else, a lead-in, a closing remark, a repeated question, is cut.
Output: 1:54:07
